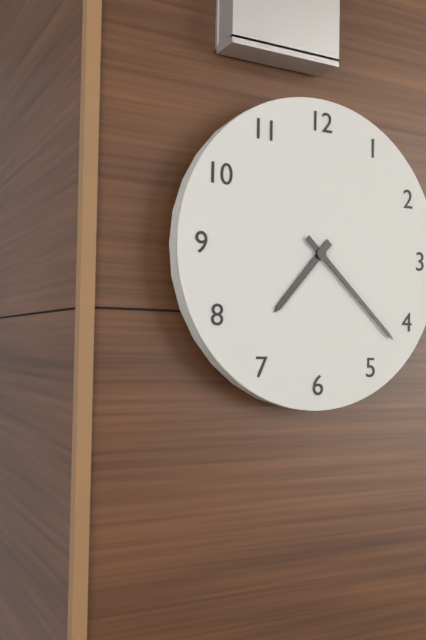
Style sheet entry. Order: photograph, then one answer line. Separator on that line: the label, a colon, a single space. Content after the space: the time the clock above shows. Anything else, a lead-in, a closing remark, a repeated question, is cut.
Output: 7:22
